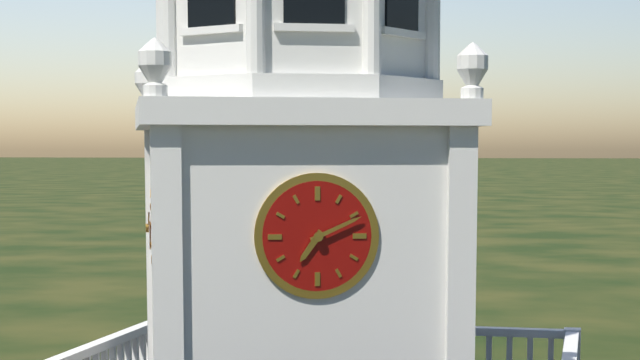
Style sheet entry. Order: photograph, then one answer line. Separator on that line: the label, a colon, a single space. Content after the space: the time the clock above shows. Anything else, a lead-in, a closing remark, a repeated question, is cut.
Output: 7:11
